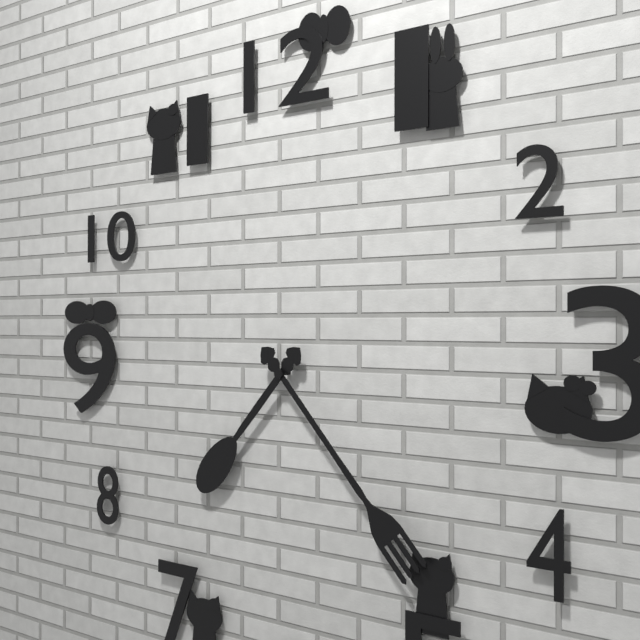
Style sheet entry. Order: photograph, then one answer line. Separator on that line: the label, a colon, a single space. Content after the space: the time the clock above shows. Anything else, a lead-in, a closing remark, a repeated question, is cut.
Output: 7:23
